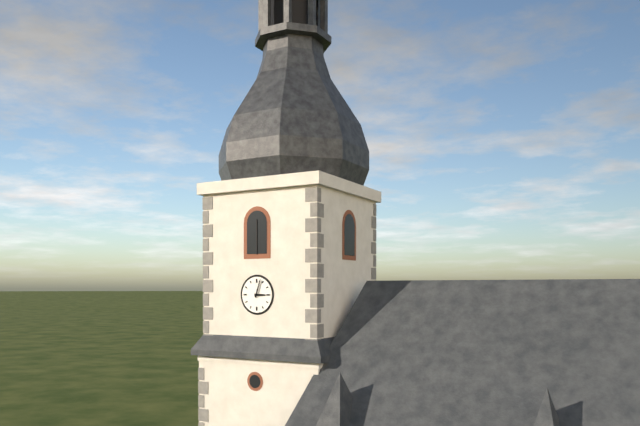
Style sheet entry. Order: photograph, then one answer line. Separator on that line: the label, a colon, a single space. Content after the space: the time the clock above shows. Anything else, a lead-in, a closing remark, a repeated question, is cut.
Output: 3:03
